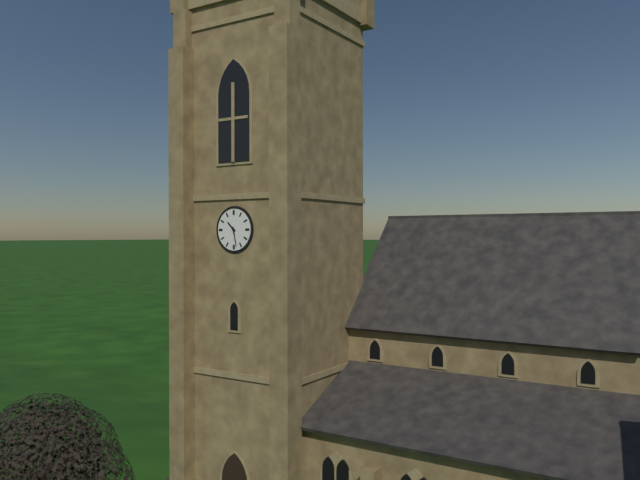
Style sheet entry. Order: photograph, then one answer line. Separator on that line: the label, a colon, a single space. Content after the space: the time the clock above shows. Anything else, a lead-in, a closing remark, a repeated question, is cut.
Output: 10:28
